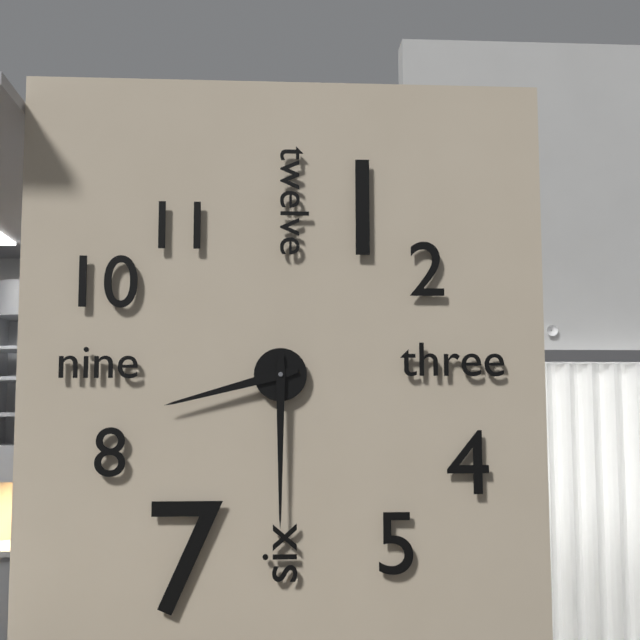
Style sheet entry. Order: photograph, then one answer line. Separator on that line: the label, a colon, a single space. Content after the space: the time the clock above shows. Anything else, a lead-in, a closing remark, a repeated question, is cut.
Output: 8:30
